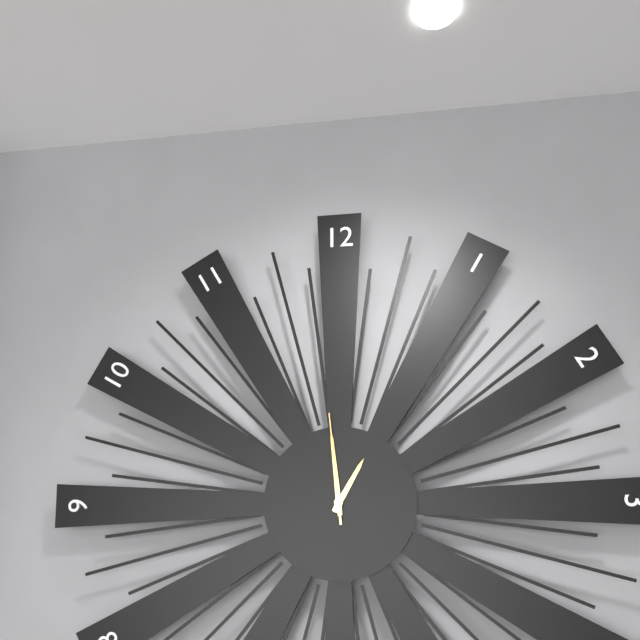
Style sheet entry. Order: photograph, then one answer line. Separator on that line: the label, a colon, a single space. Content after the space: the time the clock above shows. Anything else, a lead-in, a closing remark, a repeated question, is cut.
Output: 12:59:59
